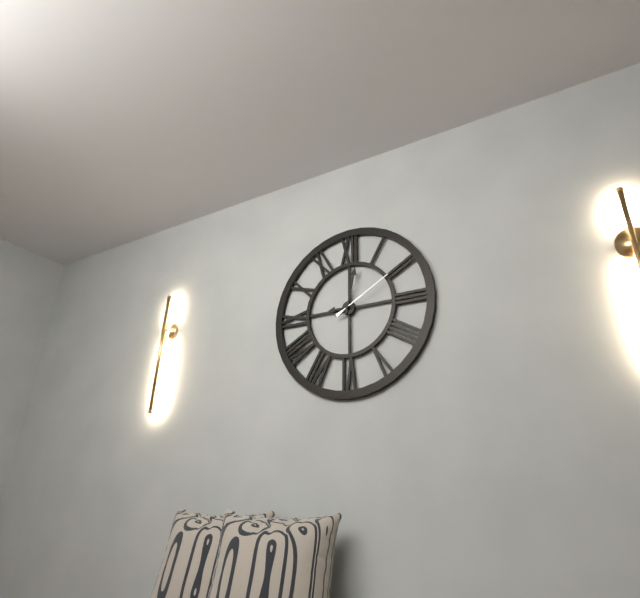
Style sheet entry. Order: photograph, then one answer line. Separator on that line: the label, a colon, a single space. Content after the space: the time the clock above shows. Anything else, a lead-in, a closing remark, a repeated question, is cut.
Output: 9:02:10
